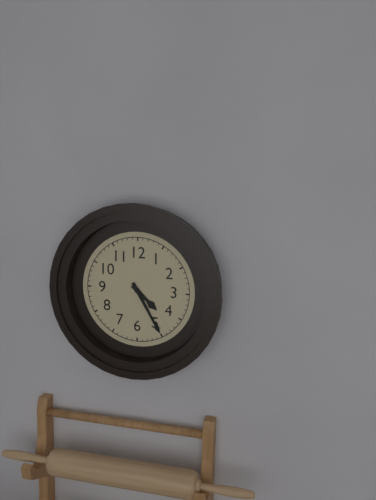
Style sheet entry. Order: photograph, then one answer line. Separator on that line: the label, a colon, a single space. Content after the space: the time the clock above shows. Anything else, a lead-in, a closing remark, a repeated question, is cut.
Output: 4:25
